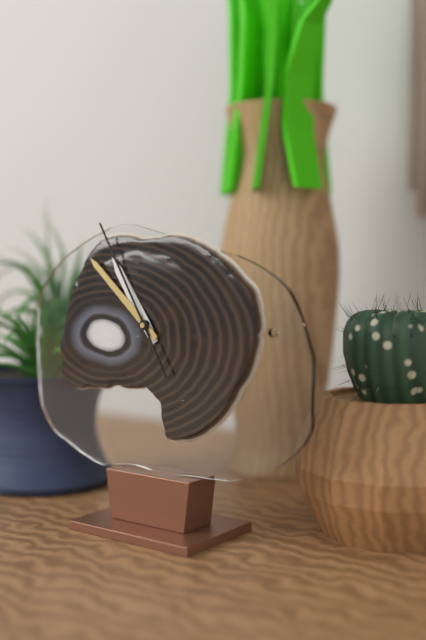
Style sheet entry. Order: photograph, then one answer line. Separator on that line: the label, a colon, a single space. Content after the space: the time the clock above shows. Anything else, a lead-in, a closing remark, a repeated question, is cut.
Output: 10:52:55
